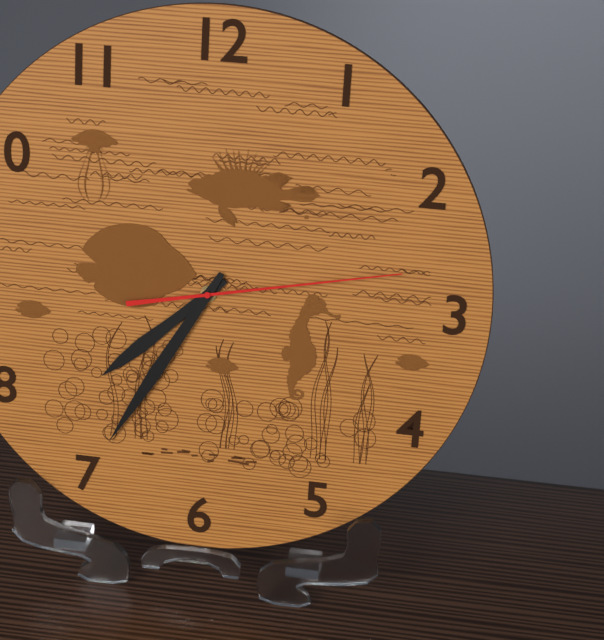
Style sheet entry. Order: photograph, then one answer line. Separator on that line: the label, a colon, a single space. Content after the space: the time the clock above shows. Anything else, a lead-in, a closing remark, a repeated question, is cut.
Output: 7:35:13
